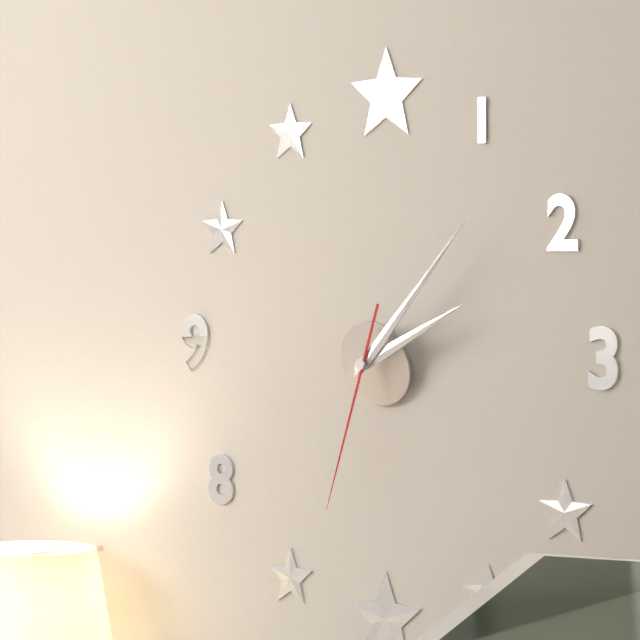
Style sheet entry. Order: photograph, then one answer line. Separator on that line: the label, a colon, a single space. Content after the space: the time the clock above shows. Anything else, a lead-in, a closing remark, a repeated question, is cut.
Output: 2:07:33
